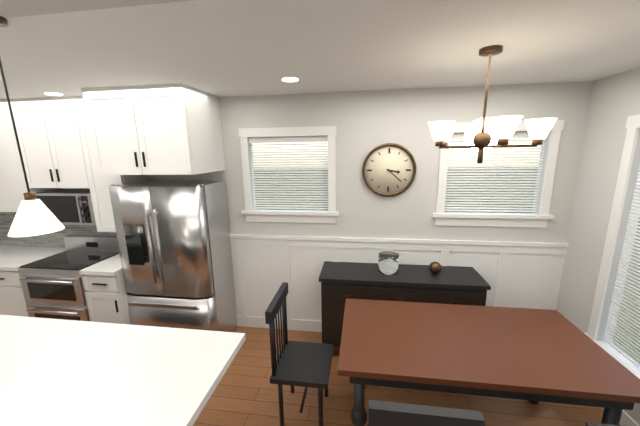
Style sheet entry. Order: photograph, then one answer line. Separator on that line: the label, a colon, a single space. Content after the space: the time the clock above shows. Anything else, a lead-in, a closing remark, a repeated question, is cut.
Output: 3:22
